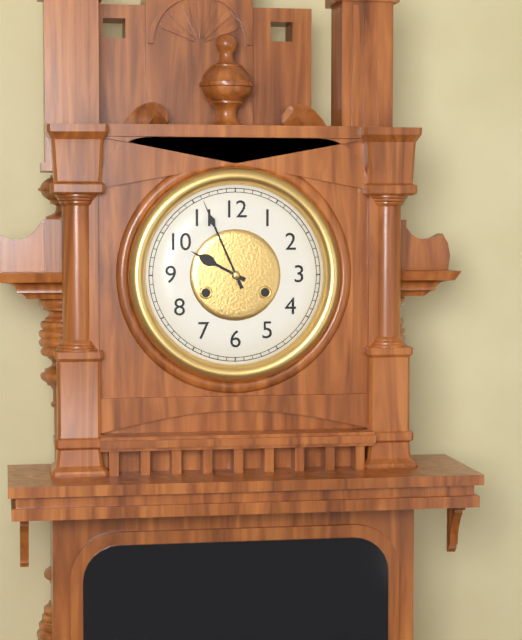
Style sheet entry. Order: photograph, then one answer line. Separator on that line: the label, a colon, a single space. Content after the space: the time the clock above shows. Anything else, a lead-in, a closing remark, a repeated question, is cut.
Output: 9:56
